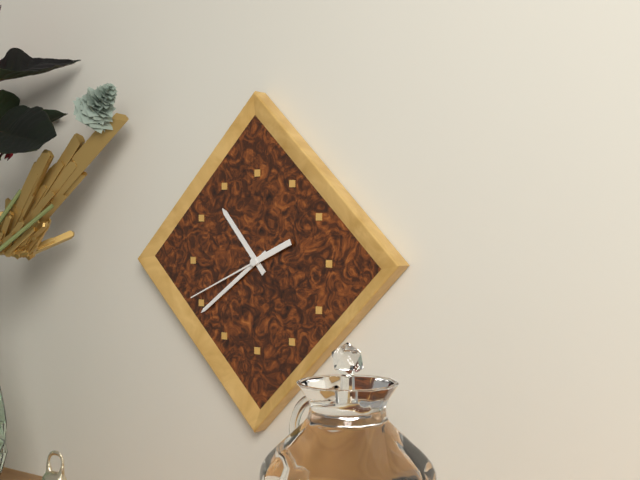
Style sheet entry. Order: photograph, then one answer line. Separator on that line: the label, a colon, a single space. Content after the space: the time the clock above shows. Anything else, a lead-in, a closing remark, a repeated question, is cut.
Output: 10:39:41
